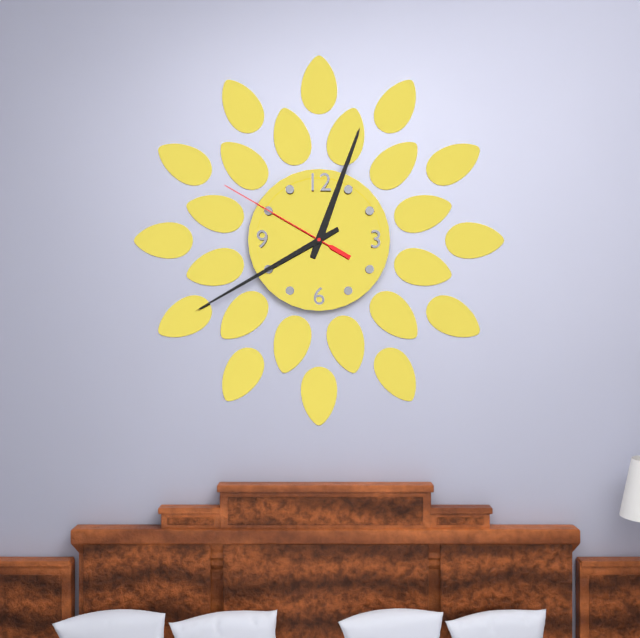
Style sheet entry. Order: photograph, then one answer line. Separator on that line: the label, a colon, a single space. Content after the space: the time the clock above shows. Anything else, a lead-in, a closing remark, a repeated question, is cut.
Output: 12:40:50
